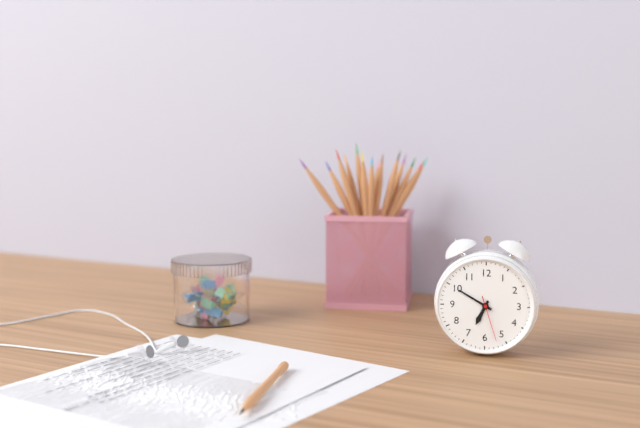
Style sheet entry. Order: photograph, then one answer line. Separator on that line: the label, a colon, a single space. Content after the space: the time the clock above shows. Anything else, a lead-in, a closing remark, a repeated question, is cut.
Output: 6:50
